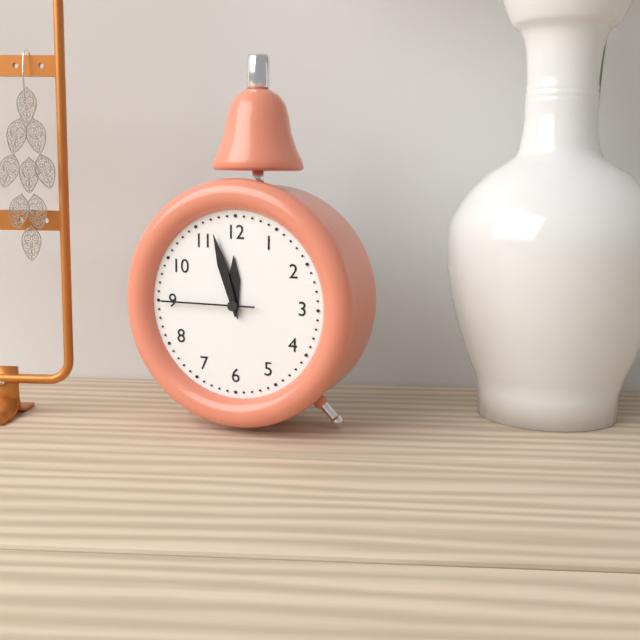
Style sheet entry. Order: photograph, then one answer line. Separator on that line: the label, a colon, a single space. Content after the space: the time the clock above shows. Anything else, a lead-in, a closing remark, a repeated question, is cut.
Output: 11:57:45
